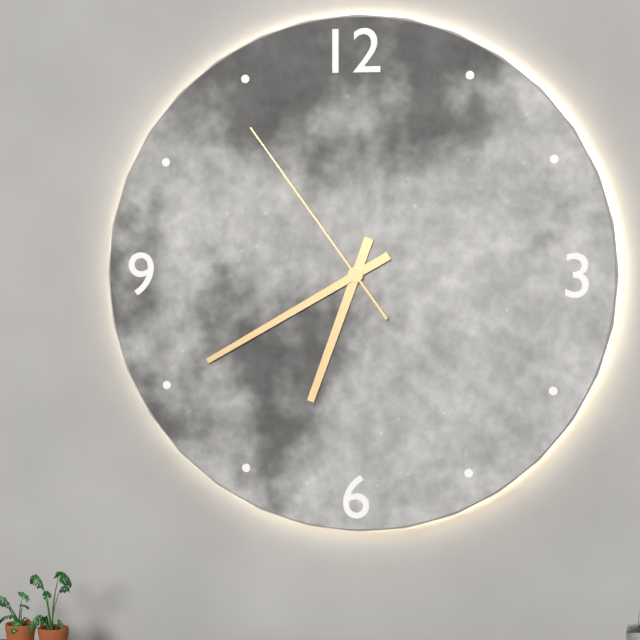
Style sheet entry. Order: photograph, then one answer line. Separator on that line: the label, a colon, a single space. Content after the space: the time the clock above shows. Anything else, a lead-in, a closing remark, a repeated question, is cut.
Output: 6:40:54
